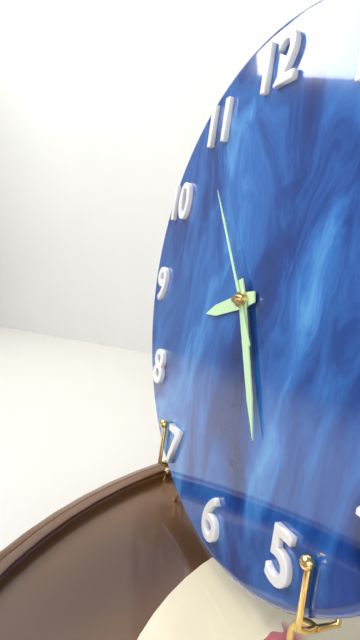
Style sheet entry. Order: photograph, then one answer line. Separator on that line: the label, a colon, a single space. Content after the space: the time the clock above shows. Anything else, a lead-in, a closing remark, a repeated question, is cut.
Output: 8:26:54
